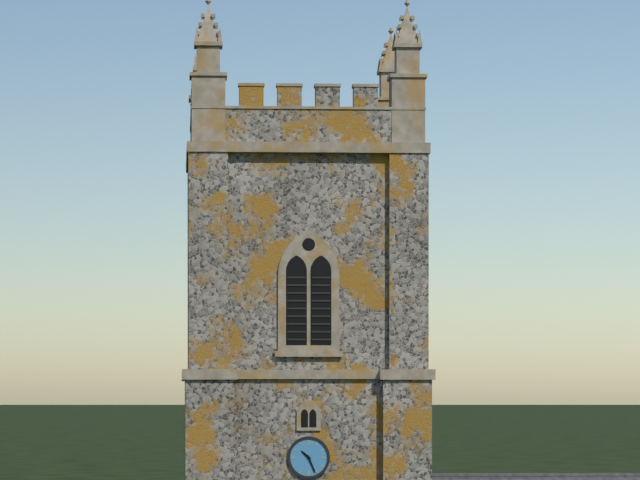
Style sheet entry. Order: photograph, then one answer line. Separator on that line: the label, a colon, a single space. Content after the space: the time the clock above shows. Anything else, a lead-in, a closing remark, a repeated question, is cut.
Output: 10:26
